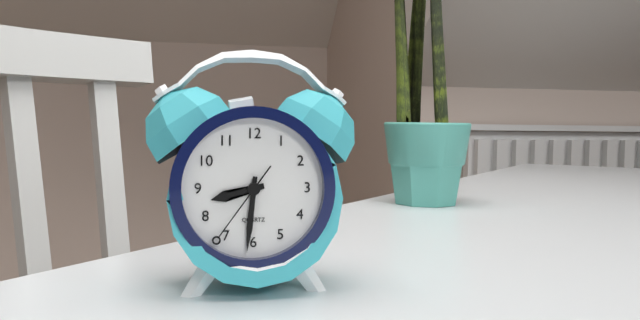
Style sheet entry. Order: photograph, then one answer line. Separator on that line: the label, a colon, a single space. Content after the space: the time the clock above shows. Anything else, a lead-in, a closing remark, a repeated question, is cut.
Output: 8:31:36
